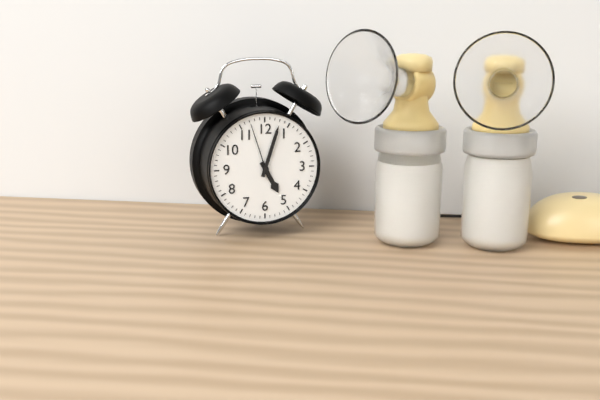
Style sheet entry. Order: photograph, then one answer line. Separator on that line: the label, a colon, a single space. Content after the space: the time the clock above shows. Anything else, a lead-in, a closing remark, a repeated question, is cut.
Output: 5:03:57
